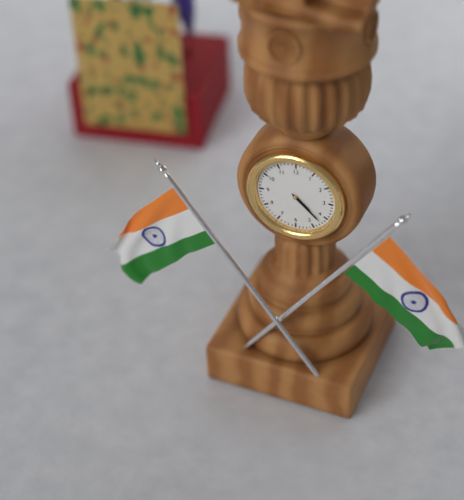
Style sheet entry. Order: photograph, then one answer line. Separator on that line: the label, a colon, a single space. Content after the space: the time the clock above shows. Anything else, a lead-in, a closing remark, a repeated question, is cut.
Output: 4:22
